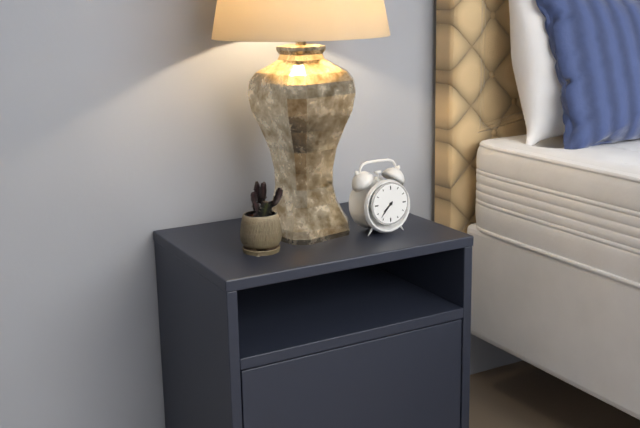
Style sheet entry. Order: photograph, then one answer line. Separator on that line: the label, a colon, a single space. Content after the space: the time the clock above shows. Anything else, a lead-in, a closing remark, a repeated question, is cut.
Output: 7:37
